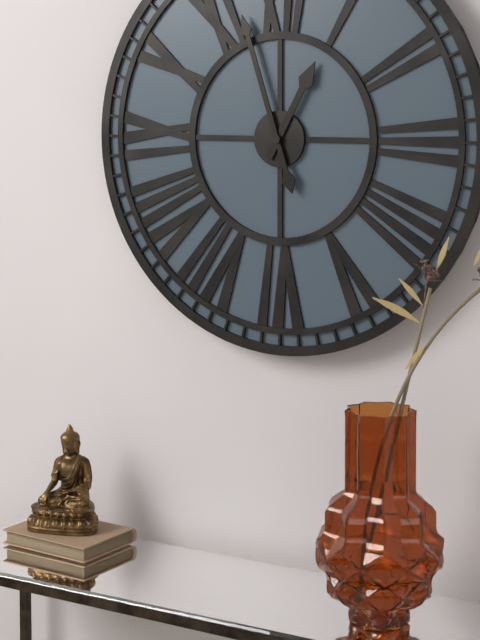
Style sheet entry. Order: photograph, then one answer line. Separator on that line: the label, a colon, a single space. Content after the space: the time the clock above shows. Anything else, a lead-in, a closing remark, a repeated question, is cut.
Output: 12:57
